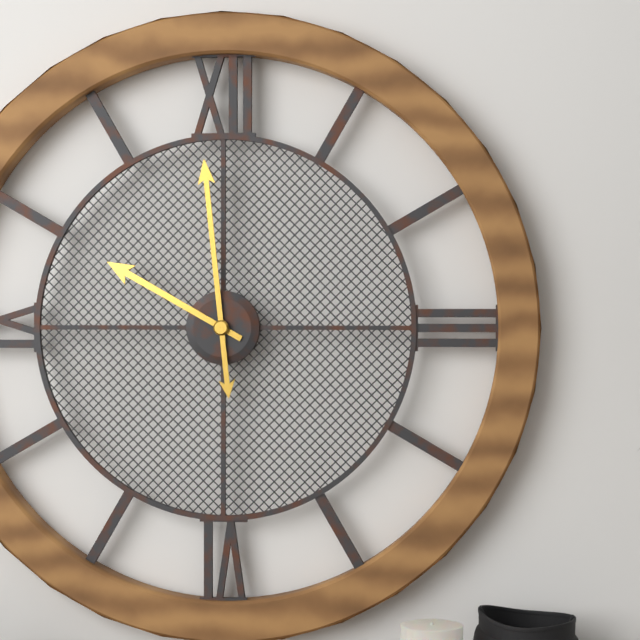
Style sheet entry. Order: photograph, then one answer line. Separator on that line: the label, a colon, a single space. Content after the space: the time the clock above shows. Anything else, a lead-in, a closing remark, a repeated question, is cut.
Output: 9:59
